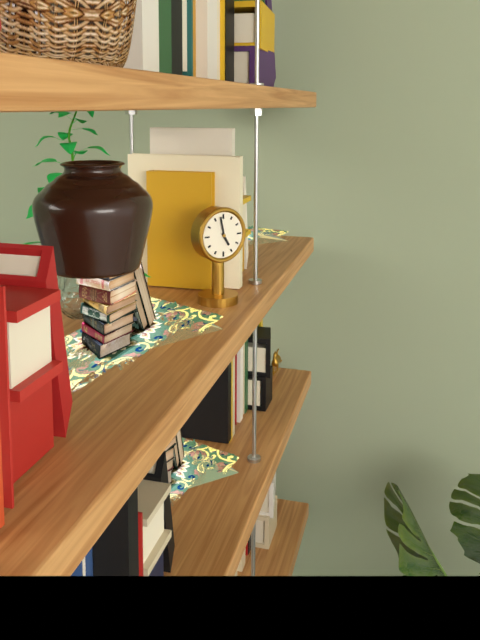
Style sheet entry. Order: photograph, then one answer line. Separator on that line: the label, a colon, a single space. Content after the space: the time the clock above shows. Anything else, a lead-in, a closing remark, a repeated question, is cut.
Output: 4:58
